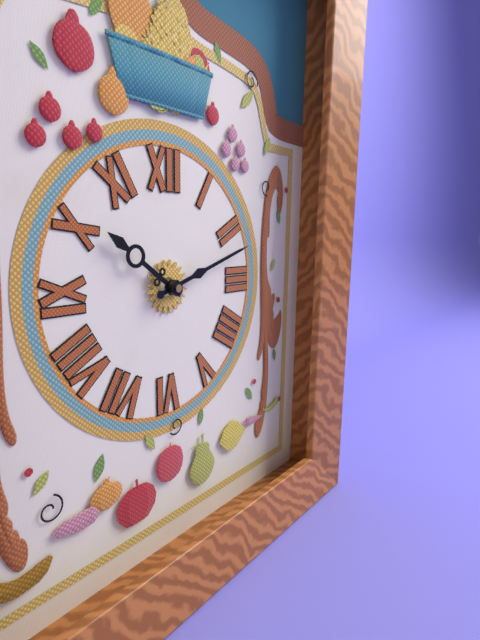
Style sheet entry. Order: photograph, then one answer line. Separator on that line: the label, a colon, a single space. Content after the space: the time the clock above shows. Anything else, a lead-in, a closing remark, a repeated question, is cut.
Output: 10:12
